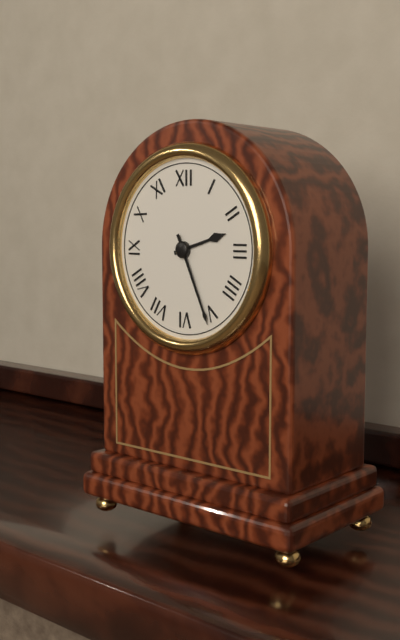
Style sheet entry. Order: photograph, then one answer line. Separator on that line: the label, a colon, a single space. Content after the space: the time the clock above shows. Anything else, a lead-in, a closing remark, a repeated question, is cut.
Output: 2:26
